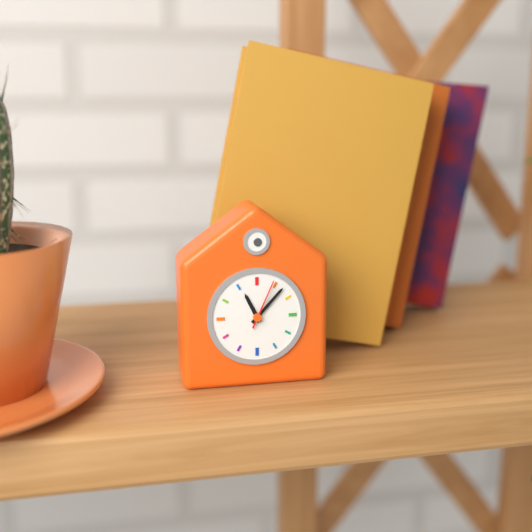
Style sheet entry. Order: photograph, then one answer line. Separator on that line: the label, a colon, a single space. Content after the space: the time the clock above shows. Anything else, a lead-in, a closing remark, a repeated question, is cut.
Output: 11:07
